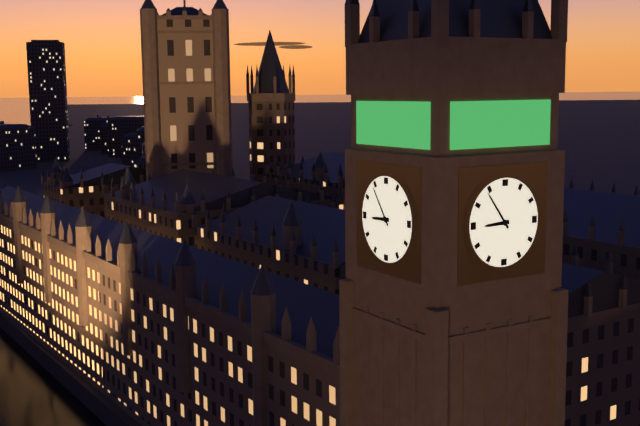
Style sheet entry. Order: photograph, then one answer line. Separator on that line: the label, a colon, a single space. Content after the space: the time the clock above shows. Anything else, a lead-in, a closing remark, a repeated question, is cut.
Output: 8:54
